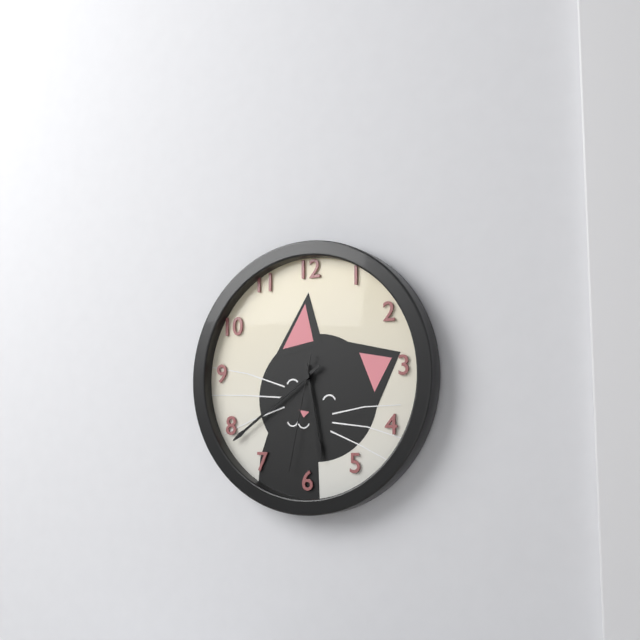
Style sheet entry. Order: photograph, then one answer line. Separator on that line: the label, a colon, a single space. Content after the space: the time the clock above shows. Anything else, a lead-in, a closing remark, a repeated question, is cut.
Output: 5:39:32
